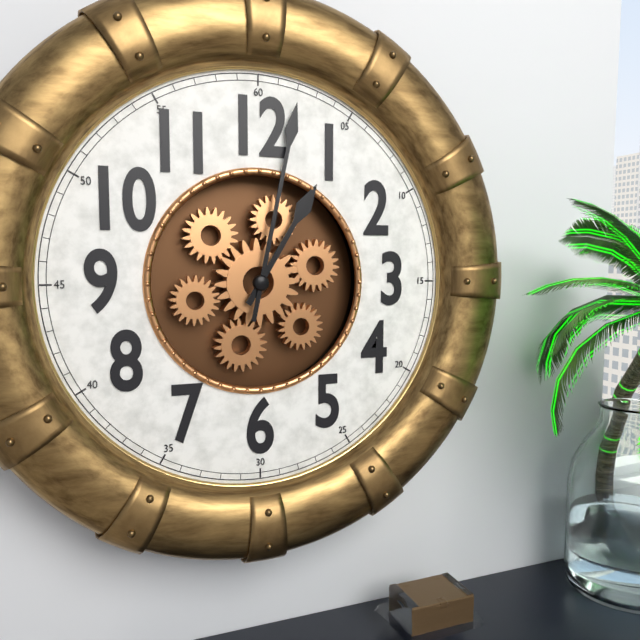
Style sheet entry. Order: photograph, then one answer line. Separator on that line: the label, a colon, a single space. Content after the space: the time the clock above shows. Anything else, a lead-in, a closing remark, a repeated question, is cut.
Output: 1:02
